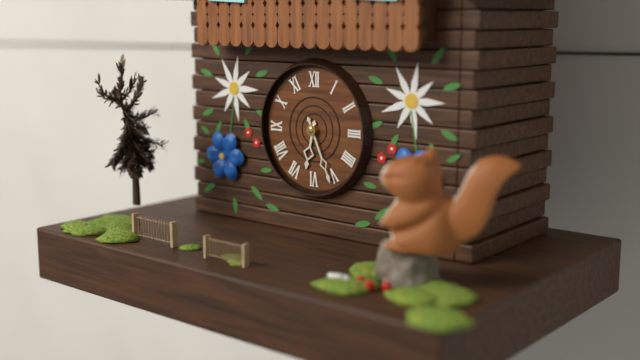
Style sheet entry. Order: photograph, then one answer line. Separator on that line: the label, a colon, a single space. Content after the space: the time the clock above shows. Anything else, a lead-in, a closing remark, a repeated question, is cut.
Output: 6:26
